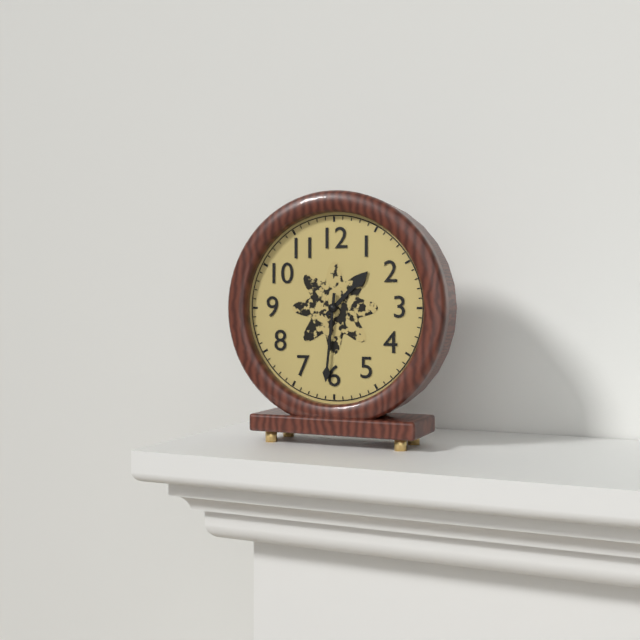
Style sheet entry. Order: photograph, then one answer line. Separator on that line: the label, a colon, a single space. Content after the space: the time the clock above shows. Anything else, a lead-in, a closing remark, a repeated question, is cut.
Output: 1:31
